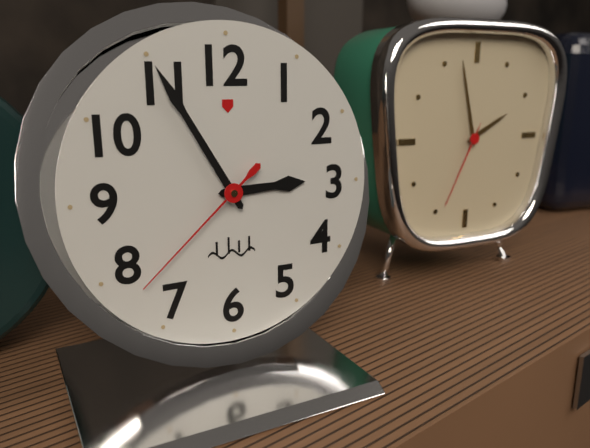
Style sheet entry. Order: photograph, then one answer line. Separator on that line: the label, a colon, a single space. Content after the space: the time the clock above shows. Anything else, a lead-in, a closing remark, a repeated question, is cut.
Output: 2:55:38
